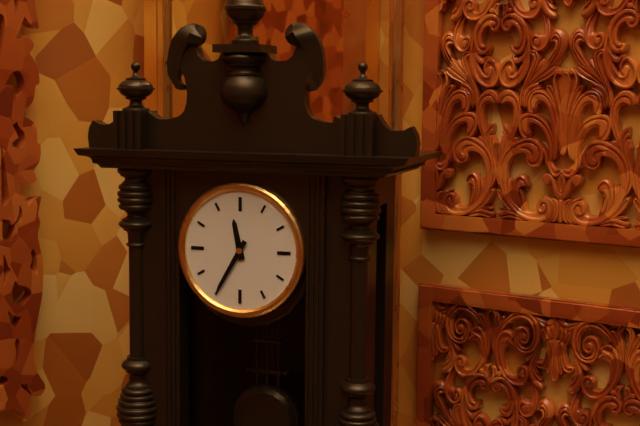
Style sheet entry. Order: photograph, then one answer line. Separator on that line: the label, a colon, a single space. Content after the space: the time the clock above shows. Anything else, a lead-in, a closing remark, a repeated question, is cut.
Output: 11:35
